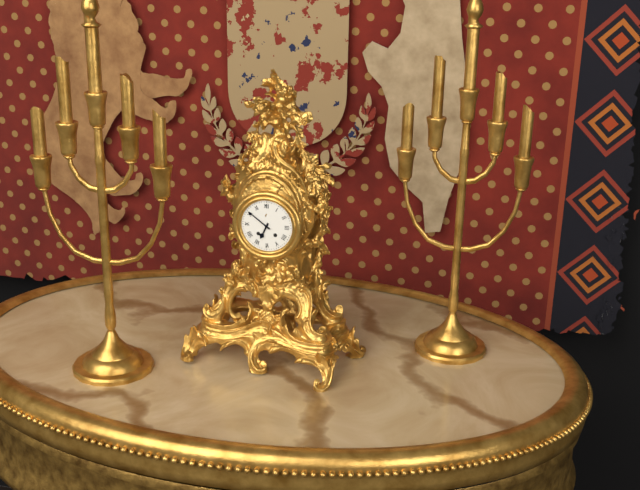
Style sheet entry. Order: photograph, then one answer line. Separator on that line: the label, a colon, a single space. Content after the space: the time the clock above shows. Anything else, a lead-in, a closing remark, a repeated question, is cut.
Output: 6:51
